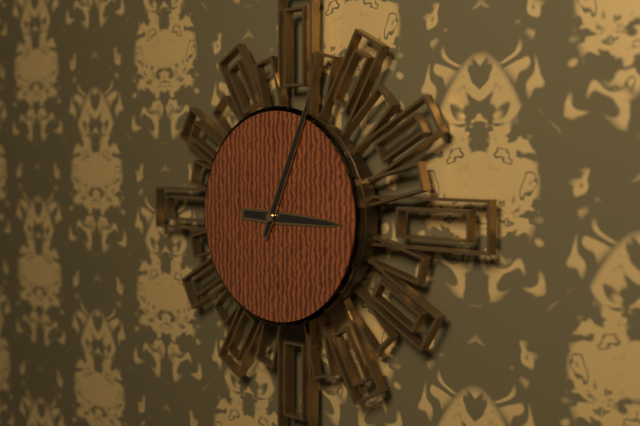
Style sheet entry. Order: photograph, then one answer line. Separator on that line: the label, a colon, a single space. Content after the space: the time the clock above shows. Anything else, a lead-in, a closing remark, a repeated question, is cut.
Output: 3:04
